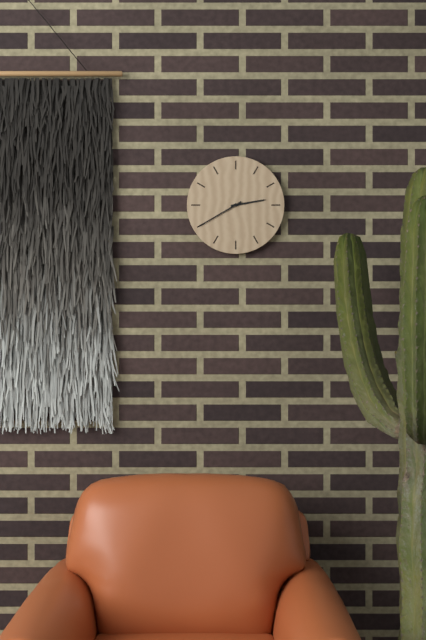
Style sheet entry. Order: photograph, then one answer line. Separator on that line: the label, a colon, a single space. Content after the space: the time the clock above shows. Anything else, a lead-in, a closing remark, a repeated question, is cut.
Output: 2:40
